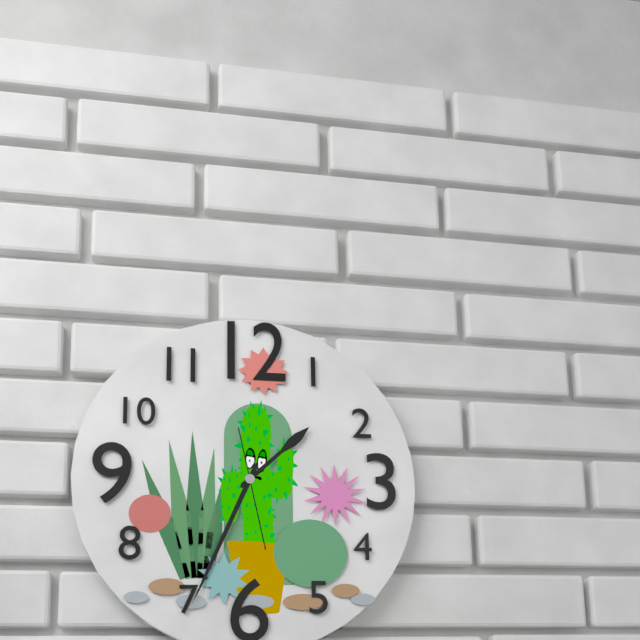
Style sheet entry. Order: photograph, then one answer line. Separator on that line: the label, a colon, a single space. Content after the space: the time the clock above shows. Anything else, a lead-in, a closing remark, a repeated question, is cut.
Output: 1:34:28
